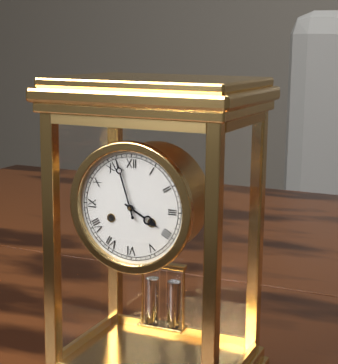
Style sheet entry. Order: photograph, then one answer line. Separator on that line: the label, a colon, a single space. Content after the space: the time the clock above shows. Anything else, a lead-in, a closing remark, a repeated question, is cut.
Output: 3:57
